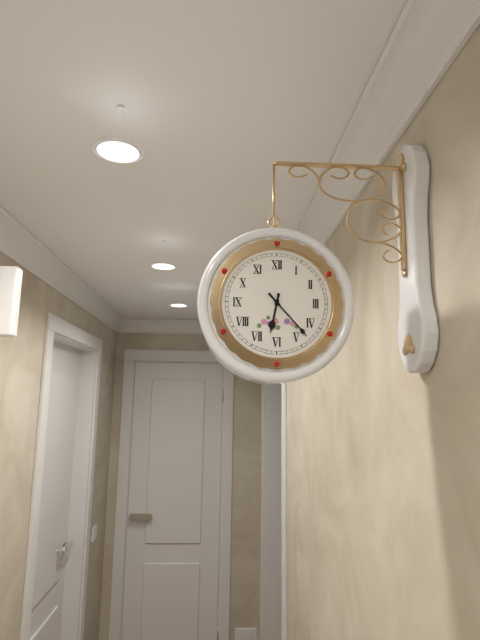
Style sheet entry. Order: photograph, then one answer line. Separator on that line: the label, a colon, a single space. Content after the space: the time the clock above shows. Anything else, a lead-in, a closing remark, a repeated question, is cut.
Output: 6:23
